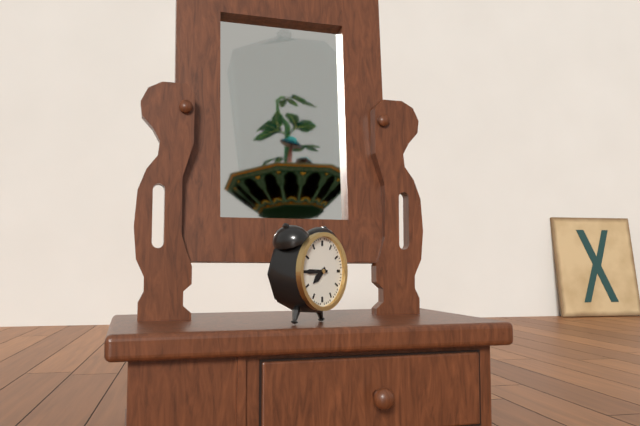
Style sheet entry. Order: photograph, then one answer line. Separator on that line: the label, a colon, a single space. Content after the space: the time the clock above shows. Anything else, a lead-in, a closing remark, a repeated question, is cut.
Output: 7:45
